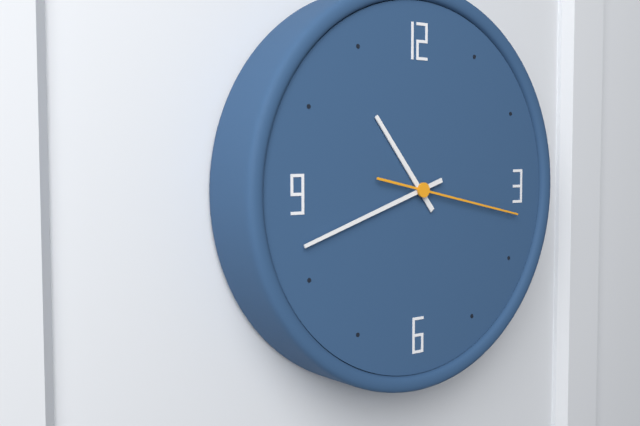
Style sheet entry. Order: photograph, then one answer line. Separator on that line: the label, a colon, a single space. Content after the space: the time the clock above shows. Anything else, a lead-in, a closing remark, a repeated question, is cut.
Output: 10:42:17
